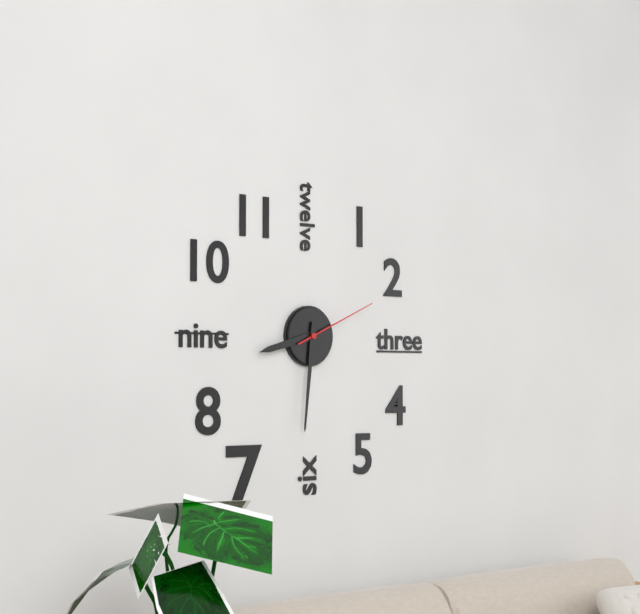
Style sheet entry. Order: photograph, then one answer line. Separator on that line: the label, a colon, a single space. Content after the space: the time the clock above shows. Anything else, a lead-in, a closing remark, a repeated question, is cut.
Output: 8:31:11
